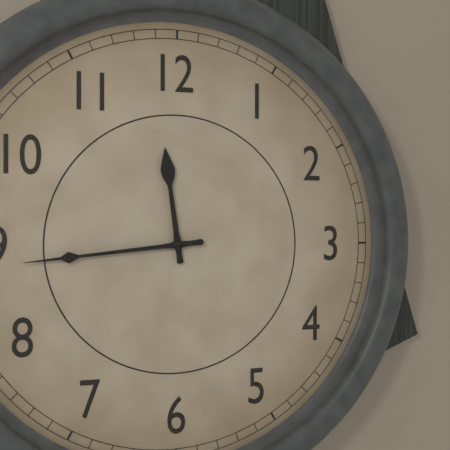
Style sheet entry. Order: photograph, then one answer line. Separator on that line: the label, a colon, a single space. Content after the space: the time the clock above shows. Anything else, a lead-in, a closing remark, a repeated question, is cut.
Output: 11:44
